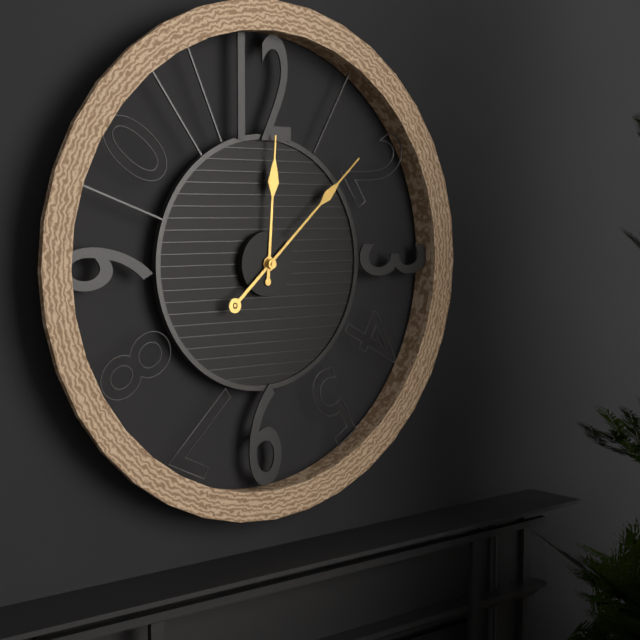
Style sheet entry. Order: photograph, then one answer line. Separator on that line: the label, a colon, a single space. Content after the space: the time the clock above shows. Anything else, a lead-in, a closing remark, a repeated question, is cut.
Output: 12:08
